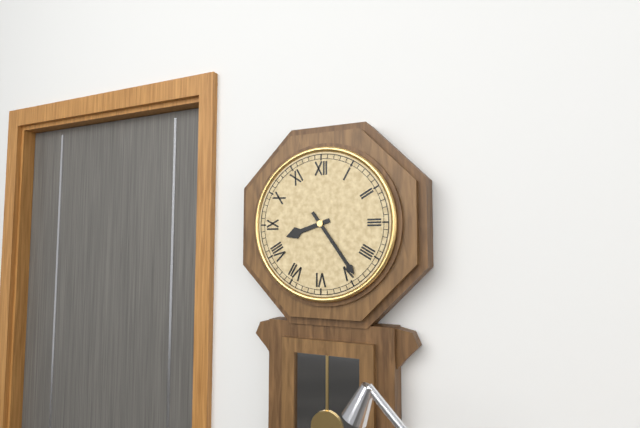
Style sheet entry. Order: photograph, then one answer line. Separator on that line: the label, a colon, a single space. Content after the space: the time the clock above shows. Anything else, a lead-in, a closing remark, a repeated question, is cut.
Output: 8:24
